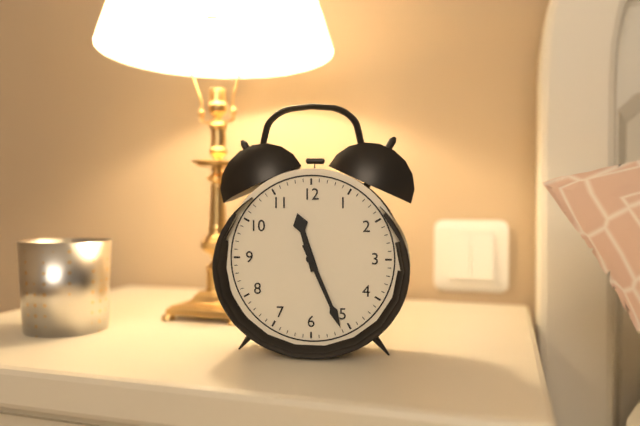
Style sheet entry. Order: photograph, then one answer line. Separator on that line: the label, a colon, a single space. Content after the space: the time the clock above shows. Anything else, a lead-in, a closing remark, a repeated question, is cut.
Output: 11:26
